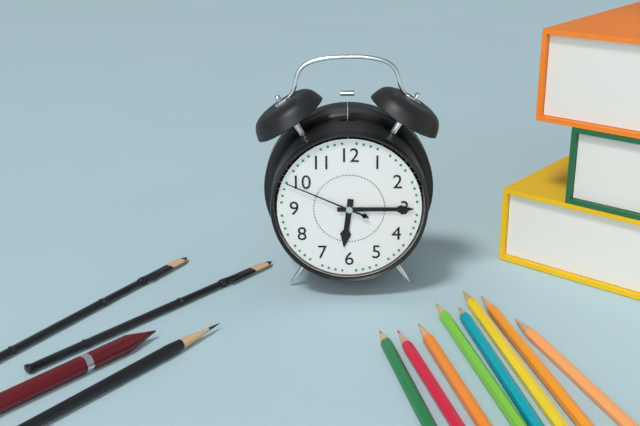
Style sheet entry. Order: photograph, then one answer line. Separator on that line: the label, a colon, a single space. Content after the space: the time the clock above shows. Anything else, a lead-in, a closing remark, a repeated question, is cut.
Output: 6:15:49
